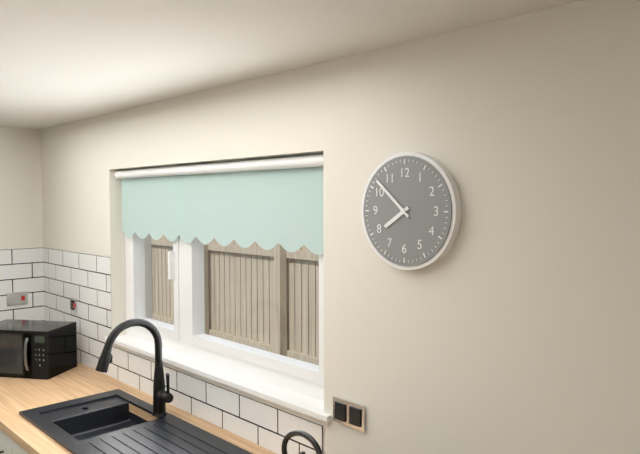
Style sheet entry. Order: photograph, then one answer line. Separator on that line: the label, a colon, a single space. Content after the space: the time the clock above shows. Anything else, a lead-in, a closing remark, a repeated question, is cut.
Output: 7:52
